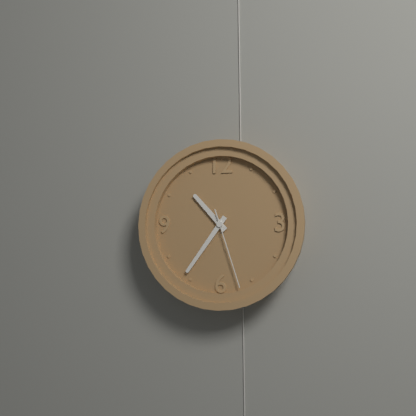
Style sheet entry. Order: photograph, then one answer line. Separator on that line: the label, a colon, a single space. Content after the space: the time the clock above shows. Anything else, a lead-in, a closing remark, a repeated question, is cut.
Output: 10:36:27
